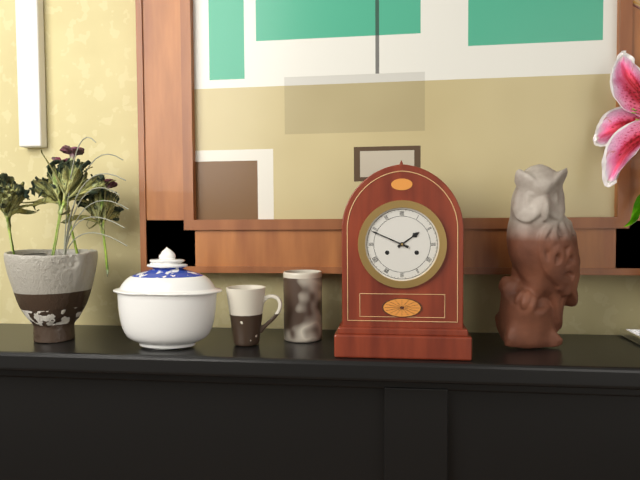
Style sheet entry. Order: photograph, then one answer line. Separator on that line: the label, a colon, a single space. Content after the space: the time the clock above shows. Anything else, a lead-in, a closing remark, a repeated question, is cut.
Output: 1:49
